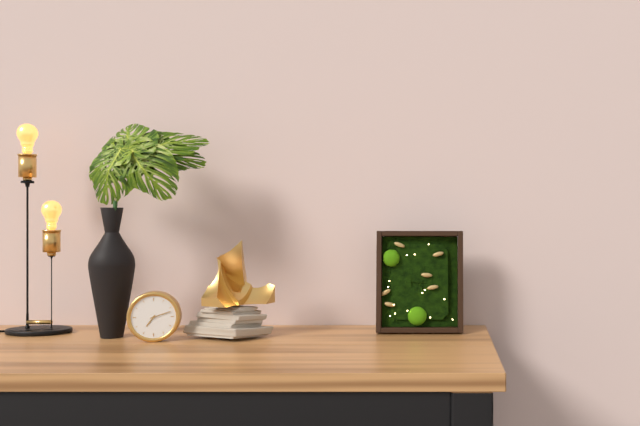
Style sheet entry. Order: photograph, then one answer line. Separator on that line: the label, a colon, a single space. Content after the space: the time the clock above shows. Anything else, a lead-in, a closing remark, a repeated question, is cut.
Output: 7:12
